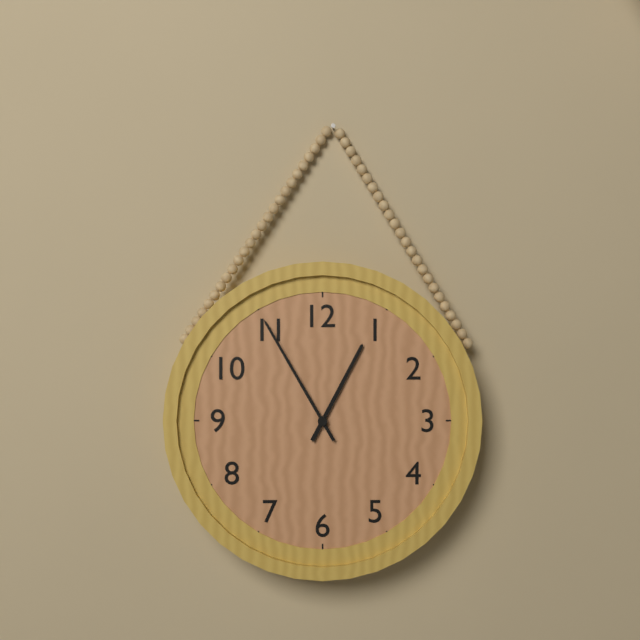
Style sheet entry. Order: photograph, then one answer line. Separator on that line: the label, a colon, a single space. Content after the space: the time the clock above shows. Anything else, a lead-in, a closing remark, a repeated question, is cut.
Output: 12:55
